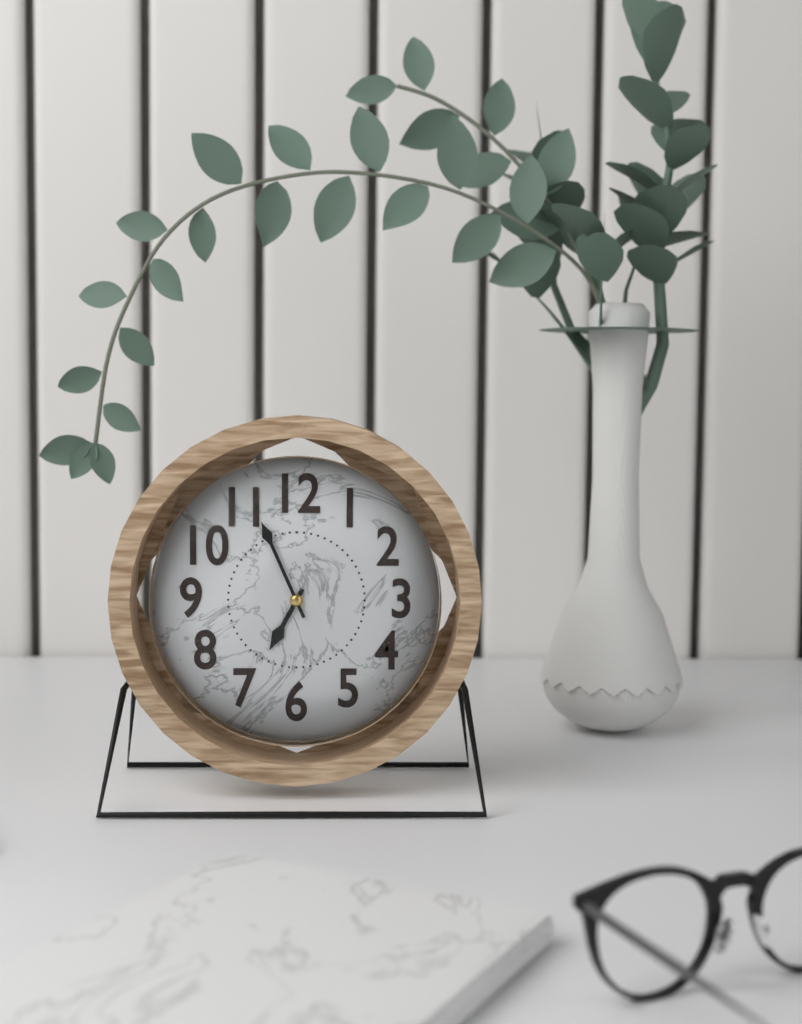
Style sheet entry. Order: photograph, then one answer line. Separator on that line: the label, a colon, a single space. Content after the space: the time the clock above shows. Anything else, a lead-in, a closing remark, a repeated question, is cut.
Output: 6:56
